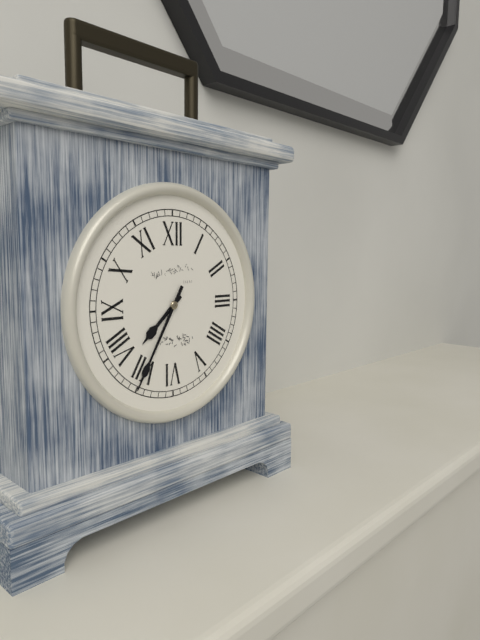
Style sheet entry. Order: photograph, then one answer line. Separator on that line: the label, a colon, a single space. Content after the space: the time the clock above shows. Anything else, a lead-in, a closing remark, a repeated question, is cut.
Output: 7:35
